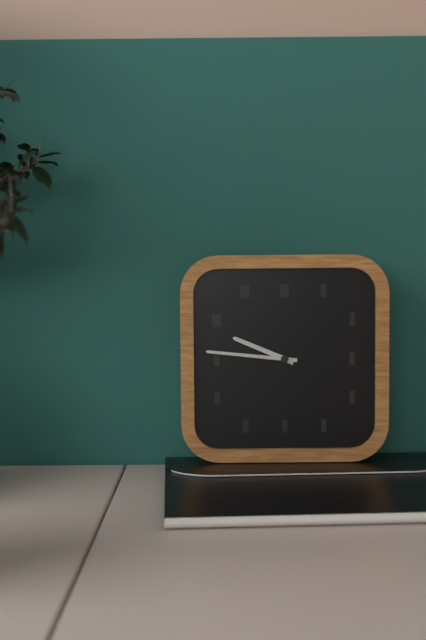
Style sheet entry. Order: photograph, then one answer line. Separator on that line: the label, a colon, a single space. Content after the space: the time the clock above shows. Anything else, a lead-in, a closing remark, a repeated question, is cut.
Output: 9:46
